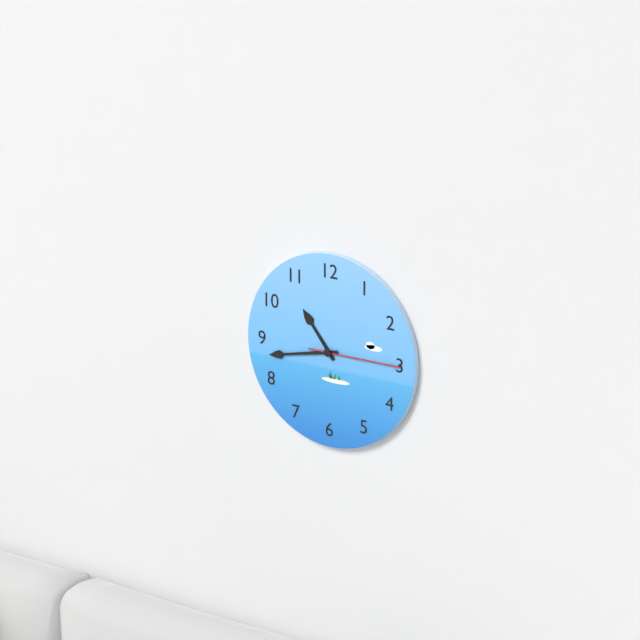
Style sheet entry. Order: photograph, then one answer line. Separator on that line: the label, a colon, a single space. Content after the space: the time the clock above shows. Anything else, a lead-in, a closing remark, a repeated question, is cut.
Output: 10:43:15
